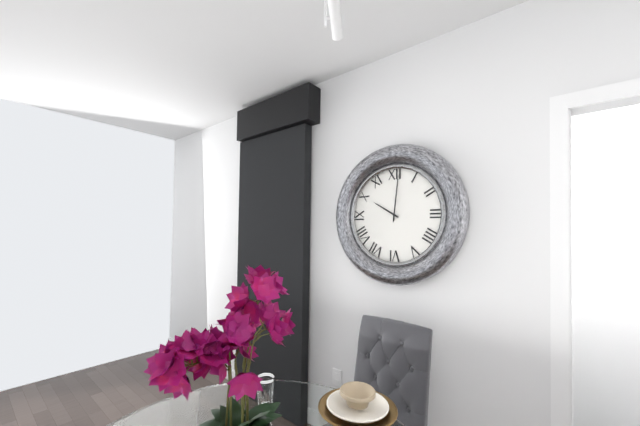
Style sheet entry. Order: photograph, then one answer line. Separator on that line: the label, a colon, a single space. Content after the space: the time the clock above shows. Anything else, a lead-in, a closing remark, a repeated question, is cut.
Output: 10:01
